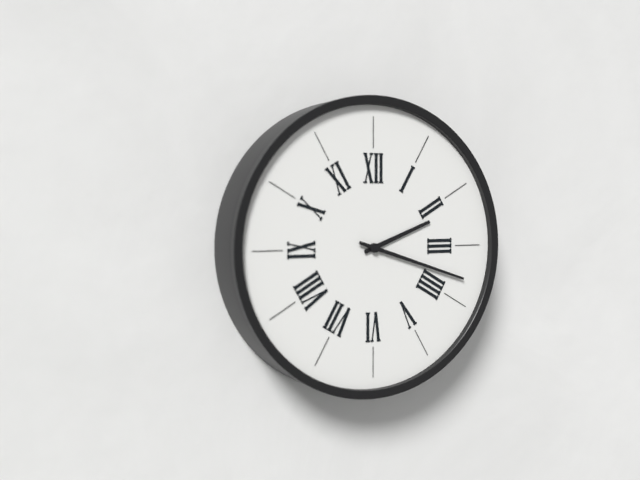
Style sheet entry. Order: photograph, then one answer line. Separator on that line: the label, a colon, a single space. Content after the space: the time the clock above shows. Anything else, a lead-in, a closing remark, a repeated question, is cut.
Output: 2:18
